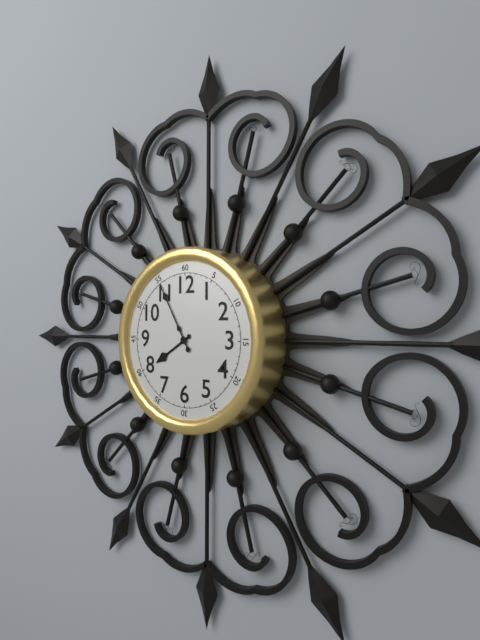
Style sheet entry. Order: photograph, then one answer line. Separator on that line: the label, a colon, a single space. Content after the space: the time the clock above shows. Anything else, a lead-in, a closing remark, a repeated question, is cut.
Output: 7:55
